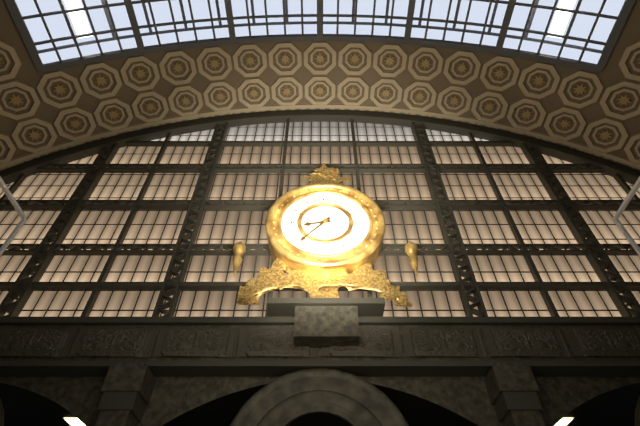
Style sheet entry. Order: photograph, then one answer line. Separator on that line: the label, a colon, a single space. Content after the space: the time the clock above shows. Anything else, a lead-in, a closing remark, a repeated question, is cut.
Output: 8:37
